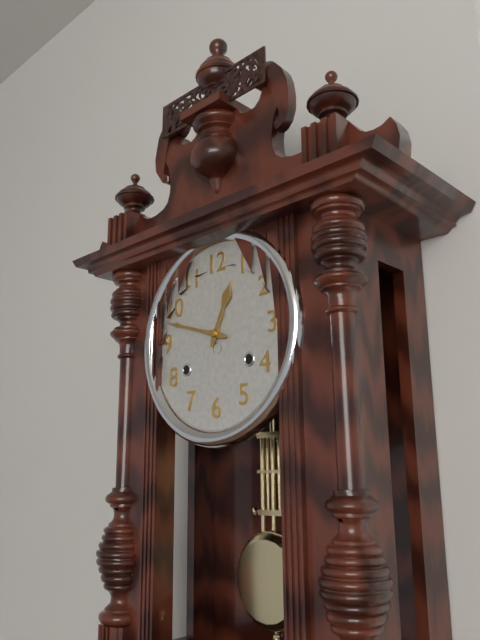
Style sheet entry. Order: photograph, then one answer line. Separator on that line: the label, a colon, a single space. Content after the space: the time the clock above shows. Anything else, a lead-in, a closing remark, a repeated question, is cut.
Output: 12:48
